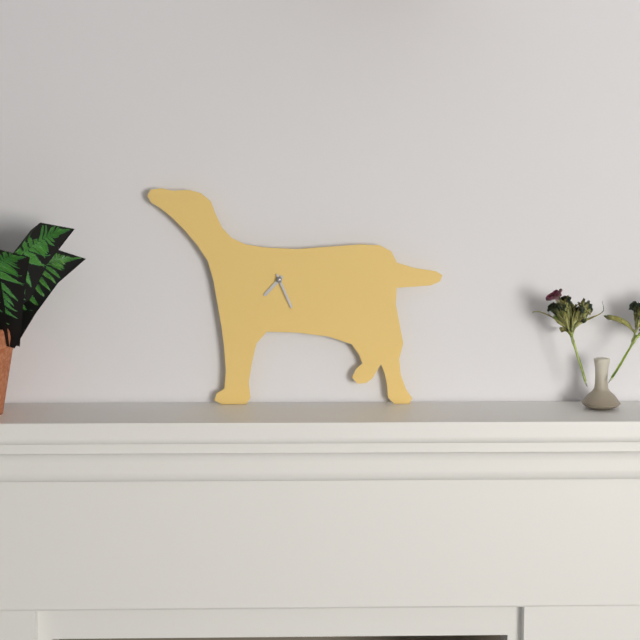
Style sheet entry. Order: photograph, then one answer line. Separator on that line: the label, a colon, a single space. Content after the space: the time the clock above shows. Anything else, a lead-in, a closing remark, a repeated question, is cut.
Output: 7:26
